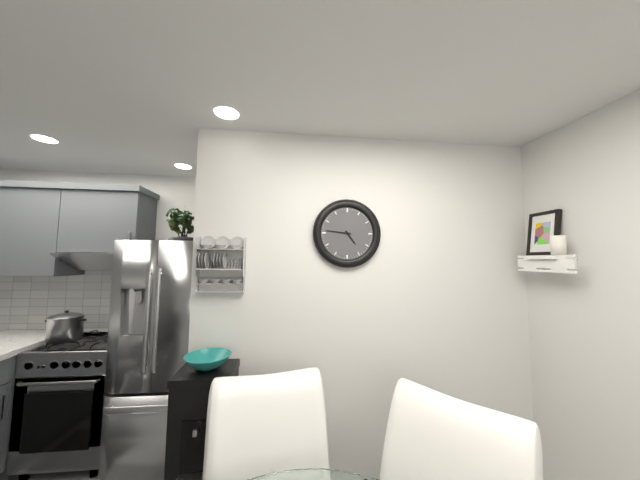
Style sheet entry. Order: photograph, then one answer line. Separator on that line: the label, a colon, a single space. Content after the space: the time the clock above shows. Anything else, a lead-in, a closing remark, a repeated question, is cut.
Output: 4:46
